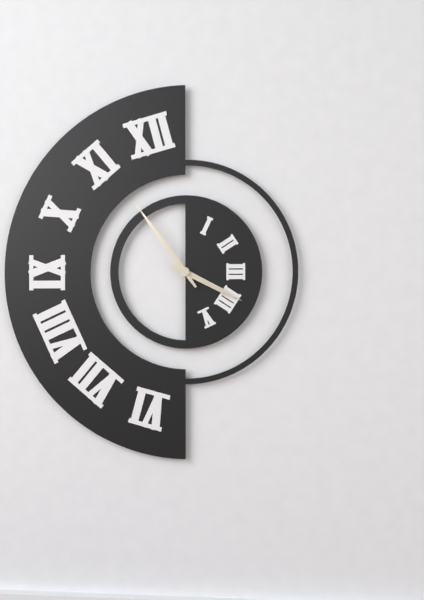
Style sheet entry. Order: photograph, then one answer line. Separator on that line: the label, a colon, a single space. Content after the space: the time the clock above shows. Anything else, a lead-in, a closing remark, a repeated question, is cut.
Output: 3:54
